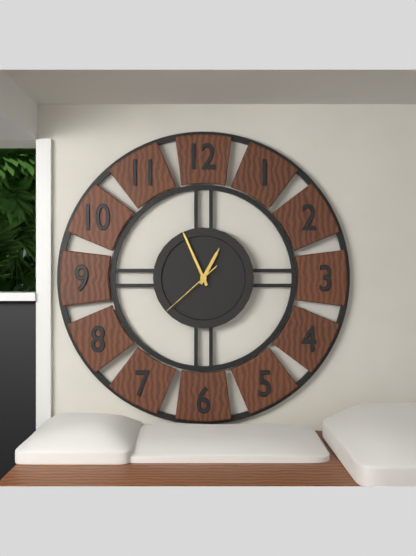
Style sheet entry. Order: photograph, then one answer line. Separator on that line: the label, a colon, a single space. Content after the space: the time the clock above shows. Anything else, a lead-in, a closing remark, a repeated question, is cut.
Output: 12:56:38
